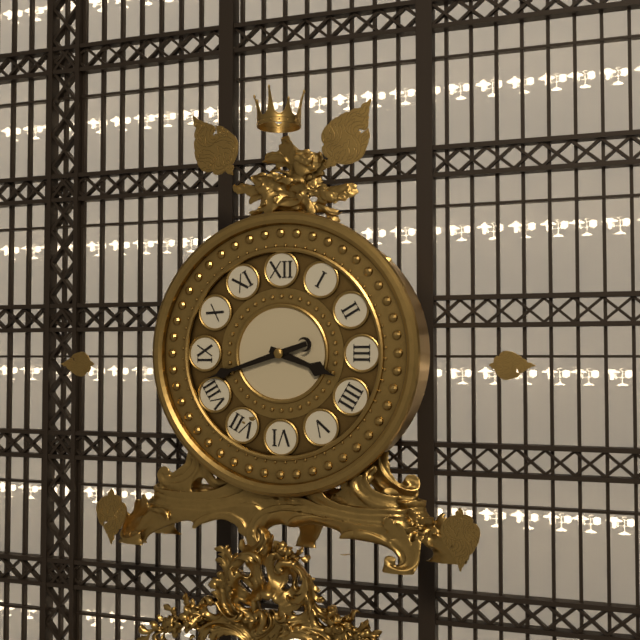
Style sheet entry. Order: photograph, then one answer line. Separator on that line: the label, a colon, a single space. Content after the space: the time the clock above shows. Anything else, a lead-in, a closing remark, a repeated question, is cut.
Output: 3:42
